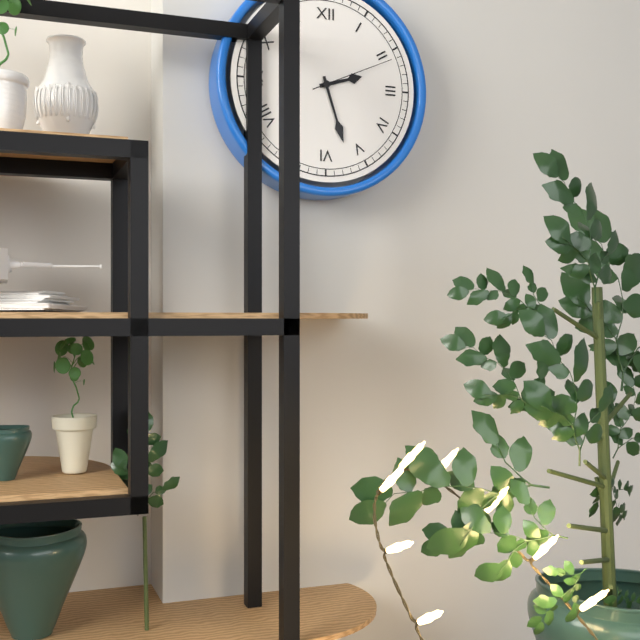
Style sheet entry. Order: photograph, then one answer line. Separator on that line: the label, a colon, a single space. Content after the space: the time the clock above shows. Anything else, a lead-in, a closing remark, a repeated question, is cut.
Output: 2:27:11
